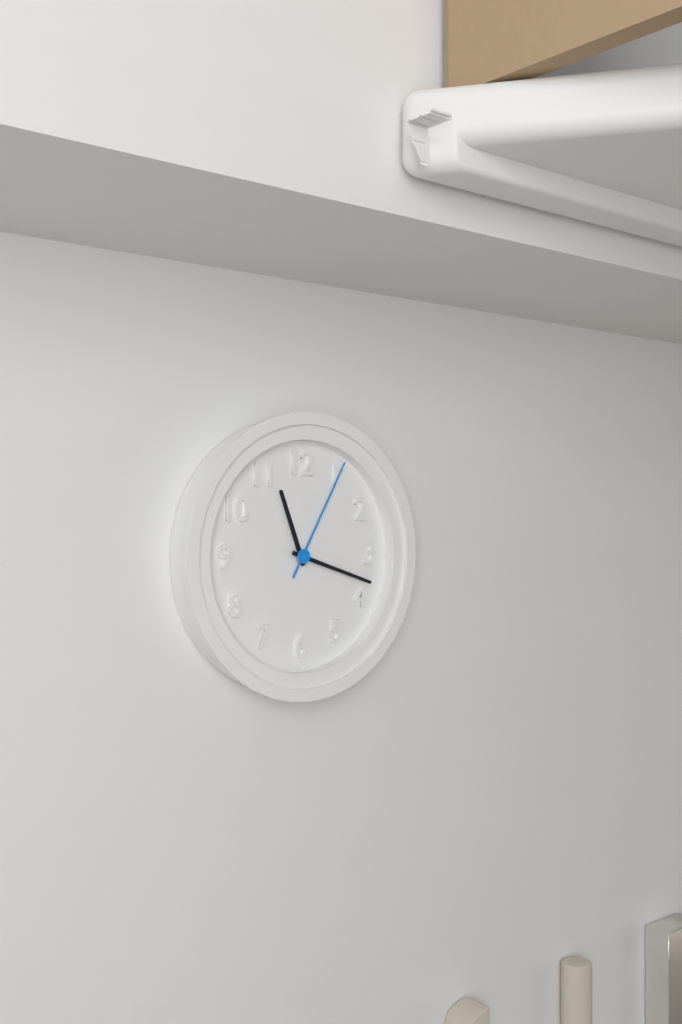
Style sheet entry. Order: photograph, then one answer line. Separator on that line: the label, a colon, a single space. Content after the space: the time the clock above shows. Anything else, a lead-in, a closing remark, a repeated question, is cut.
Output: 11:18:05
